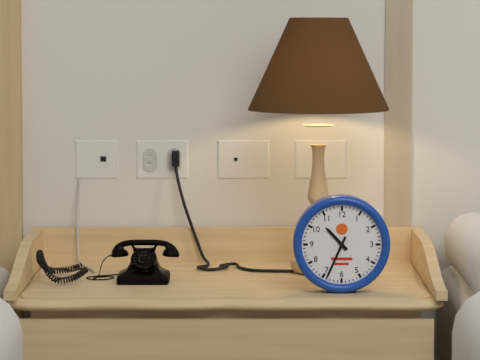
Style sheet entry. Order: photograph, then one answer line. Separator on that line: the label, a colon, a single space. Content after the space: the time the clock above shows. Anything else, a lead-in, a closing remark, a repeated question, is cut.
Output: 10:34
